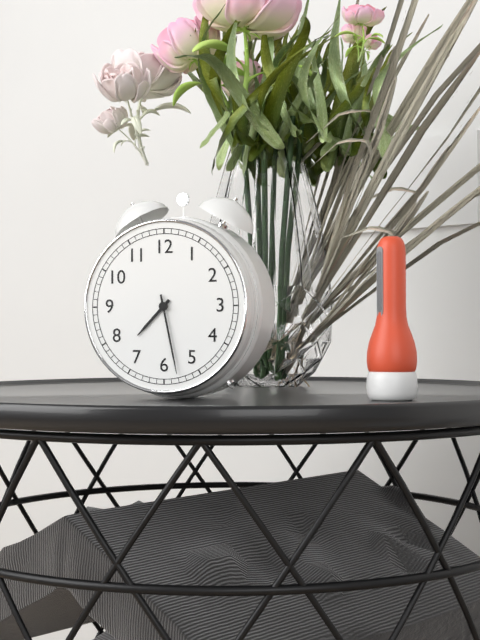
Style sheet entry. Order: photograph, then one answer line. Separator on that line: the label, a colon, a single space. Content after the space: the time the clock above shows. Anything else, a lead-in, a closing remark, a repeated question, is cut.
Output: 7:28
